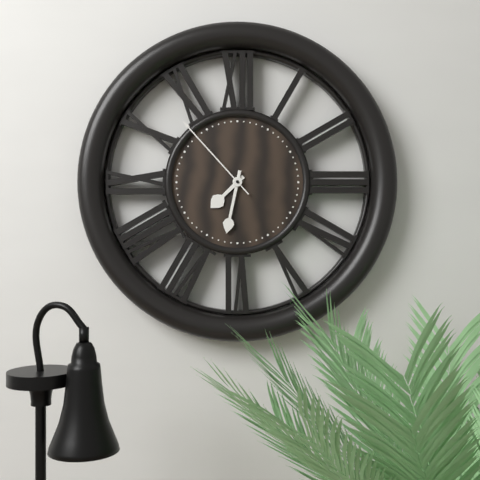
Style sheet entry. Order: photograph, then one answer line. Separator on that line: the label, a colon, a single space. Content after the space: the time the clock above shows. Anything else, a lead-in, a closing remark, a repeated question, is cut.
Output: 7:32:53
